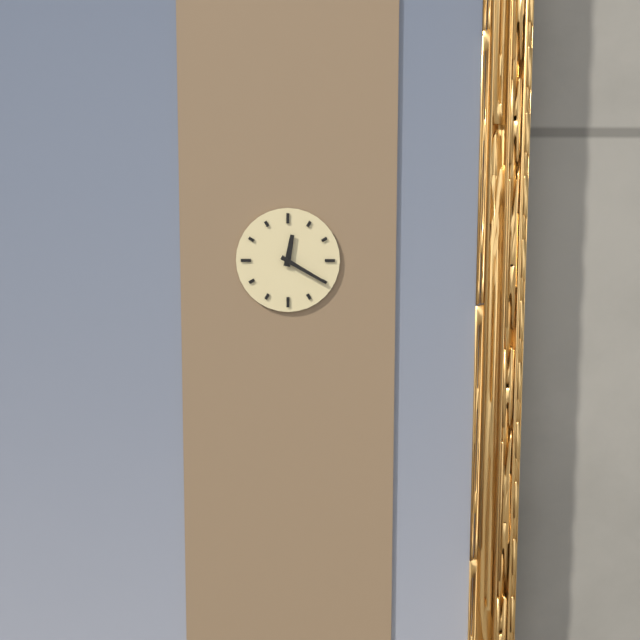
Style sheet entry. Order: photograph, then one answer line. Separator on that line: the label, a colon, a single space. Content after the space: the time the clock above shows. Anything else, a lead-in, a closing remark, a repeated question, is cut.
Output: 12:20
